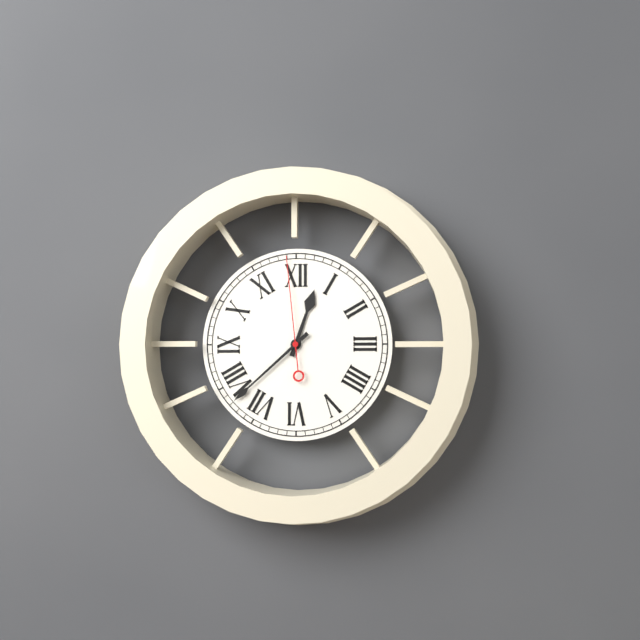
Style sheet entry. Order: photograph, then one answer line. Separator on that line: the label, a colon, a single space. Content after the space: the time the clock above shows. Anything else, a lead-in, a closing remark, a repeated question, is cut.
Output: 12:38:59
